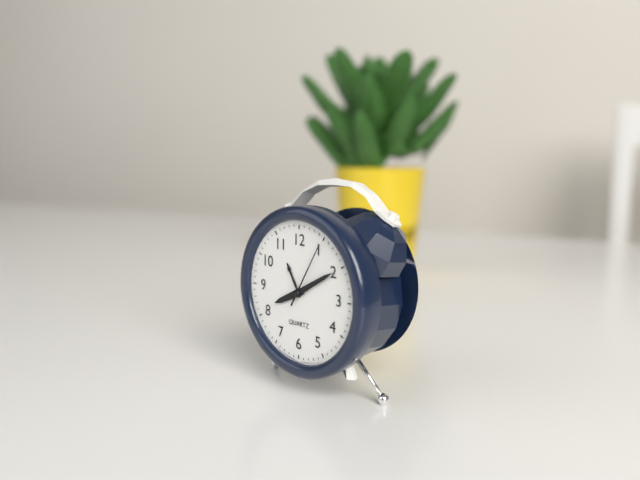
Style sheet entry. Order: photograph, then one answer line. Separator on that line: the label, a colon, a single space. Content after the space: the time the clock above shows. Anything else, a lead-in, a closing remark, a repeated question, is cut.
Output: 8:10:05
